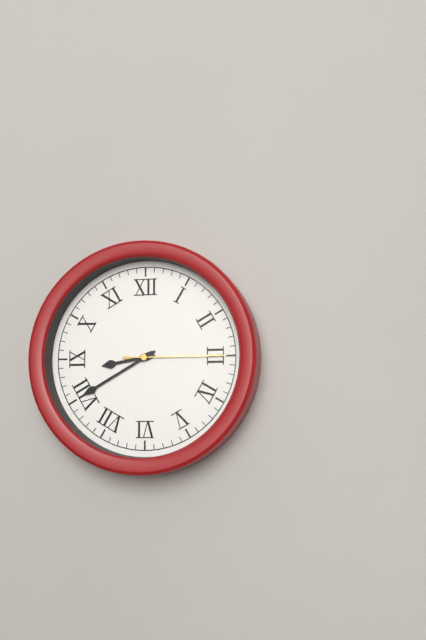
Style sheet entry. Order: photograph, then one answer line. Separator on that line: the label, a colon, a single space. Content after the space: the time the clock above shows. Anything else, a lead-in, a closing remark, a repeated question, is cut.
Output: 8:40:15
